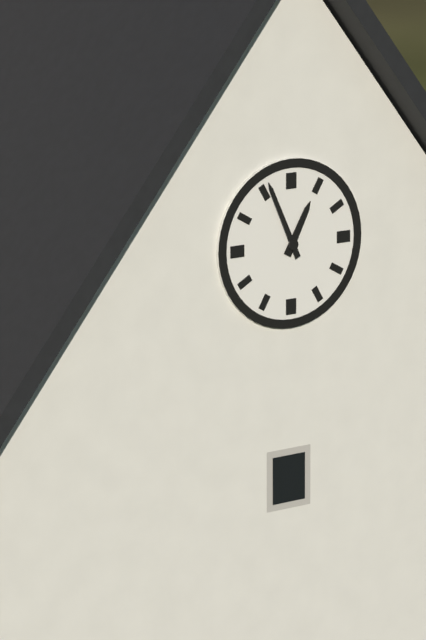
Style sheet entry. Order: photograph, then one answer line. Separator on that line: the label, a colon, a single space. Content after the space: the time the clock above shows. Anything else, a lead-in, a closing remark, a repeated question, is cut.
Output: 12:56
